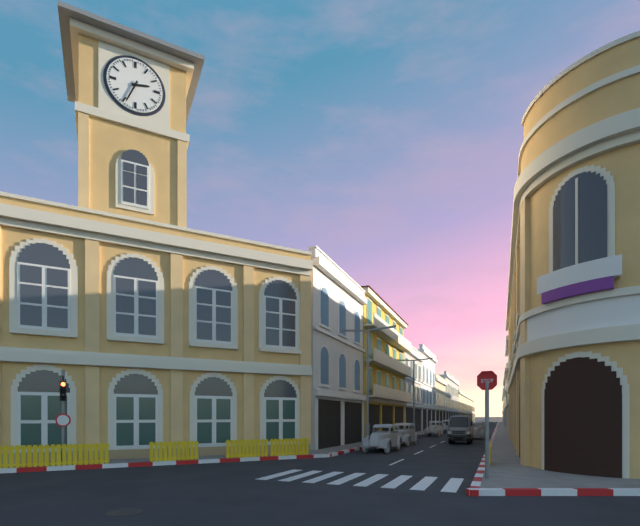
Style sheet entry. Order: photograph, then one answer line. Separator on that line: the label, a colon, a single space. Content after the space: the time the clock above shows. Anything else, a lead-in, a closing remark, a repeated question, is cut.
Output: 2:34
